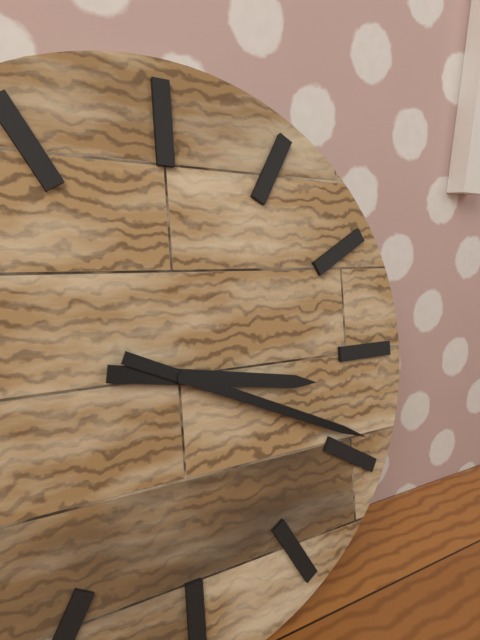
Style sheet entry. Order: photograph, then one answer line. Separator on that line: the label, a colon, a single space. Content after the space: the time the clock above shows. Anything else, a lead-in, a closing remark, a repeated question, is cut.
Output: 3:19
